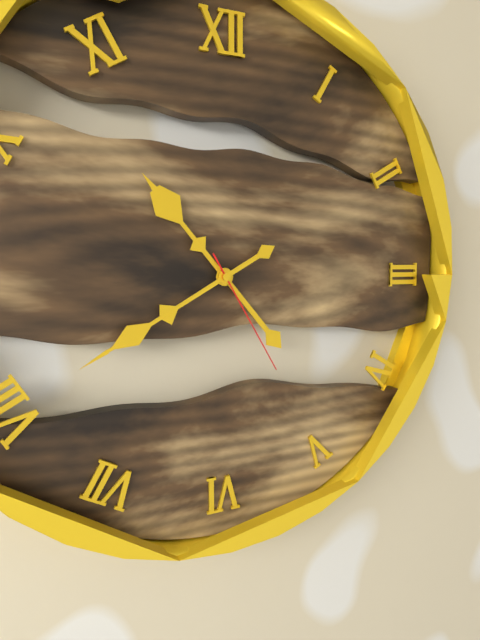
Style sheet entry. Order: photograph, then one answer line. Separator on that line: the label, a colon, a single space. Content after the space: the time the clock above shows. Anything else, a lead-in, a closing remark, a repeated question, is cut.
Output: 10:40:25
